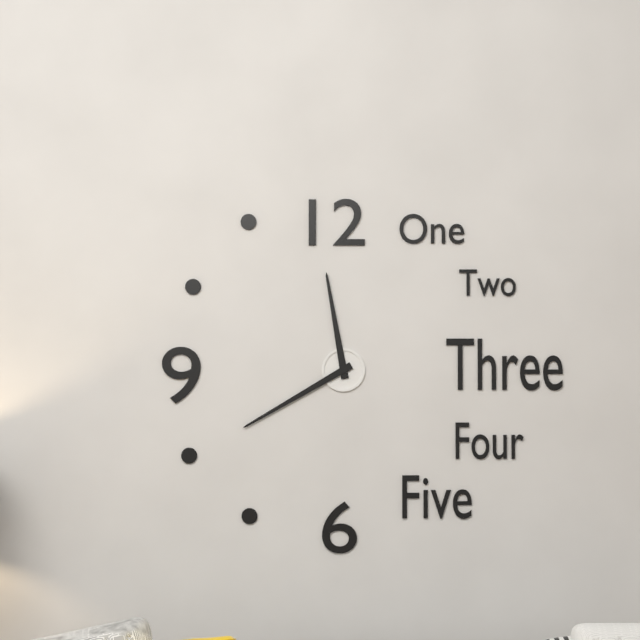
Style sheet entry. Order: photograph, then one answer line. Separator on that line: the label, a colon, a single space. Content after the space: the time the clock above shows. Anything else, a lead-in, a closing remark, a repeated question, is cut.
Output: 11:40
